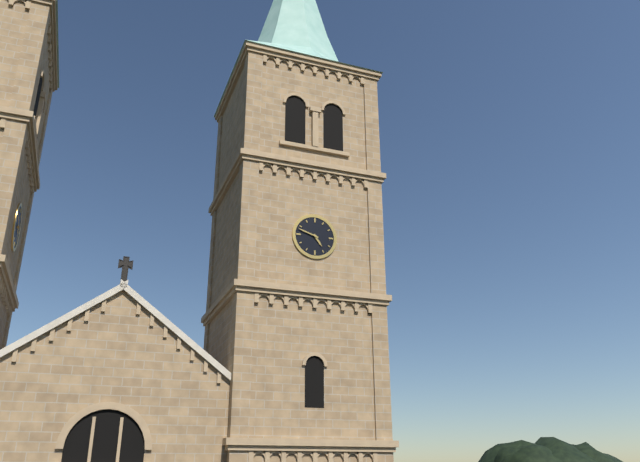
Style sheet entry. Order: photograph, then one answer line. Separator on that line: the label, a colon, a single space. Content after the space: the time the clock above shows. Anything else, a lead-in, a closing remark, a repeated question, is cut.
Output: 4:48
